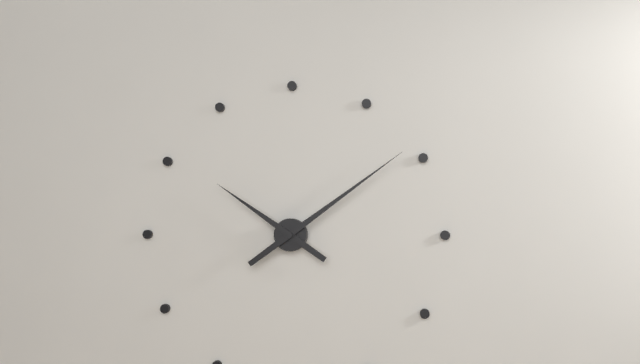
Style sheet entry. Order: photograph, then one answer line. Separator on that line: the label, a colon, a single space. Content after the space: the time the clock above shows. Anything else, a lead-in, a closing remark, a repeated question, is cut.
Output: 10:09
